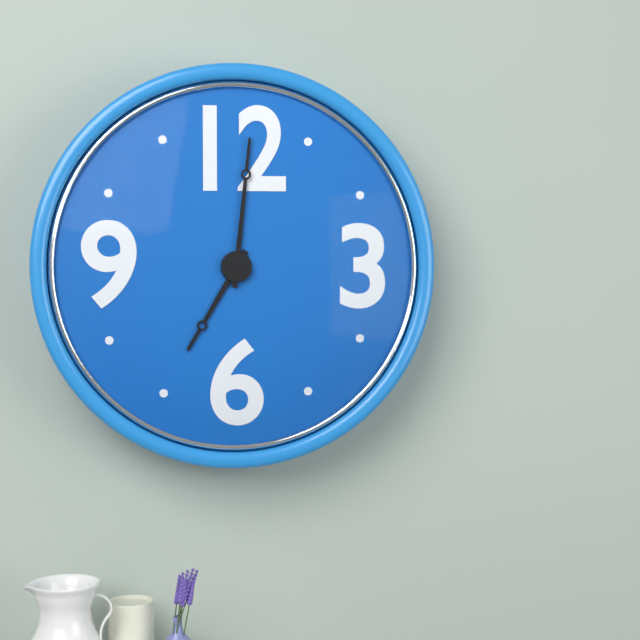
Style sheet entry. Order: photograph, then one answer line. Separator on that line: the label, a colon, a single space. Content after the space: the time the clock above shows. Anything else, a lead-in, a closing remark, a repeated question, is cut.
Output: 7:01
